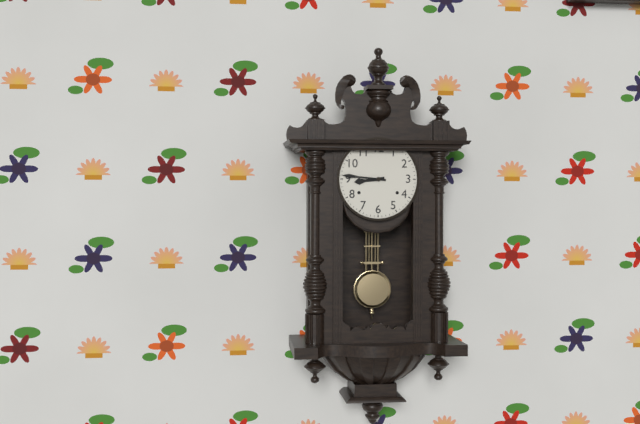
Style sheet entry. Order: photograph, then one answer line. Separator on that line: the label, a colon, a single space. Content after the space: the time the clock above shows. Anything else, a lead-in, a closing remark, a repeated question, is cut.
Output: 8:46
